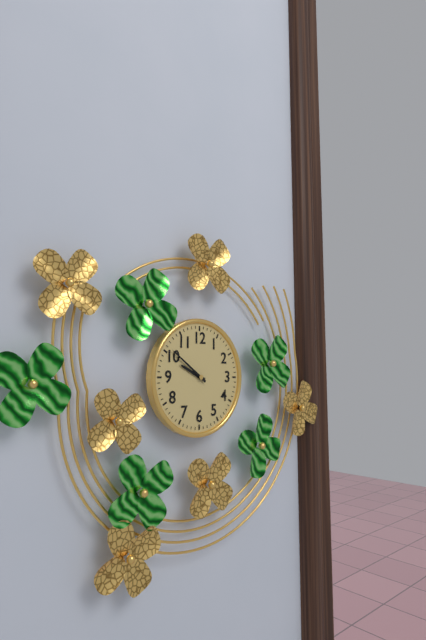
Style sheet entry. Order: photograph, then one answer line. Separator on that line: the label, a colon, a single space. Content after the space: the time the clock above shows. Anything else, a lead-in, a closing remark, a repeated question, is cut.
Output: 9:51
